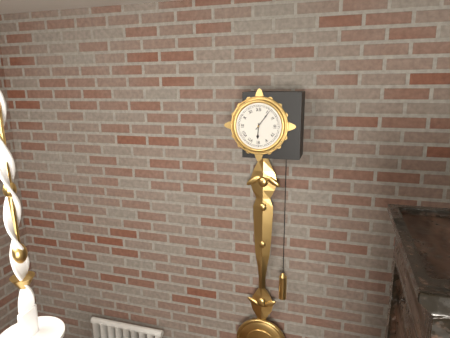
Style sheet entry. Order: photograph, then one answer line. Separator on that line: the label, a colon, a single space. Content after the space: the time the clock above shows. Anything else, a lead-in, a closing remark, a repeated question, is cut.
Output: 6:06
